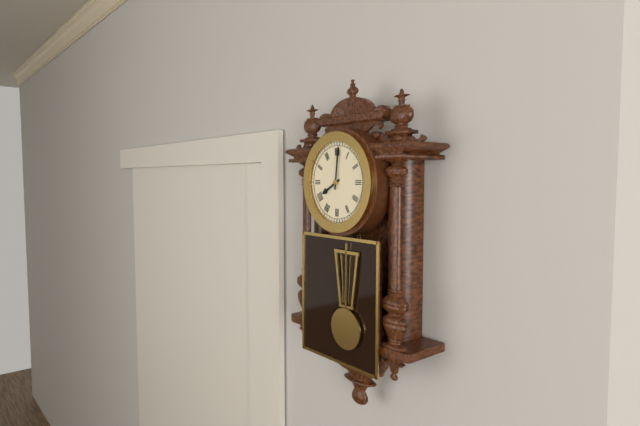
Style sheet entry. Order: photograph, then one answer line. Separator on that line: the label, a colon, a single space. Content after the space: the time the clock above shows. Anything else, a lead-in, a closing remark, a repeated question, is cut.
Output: 8:01
